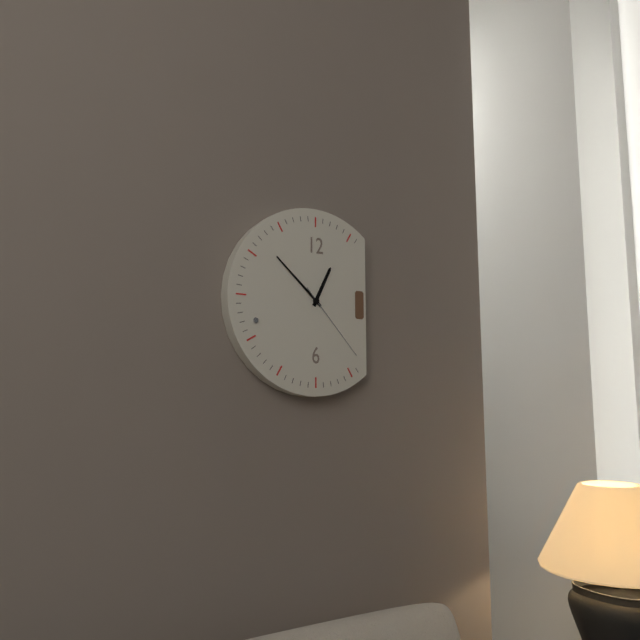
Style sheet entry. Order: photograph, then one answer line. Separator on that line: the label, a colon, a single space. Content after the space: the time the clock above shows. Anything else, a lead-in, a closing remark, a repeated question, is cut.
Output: 12:52:23
